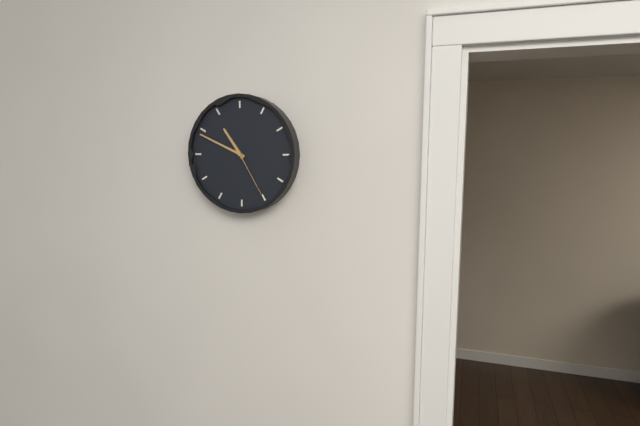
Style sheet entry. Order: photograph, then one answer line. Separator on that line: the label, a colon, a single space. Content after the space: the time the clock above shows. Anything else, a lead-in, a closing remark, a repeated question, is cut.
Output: 10:49:25
